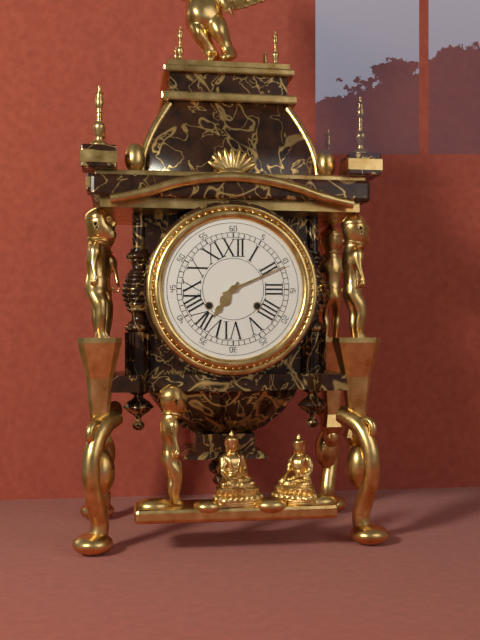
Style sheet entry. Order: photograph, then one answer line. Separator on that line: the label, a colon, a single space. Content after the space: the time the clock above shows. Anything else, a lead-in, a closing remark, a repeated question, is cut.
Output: 7:11
